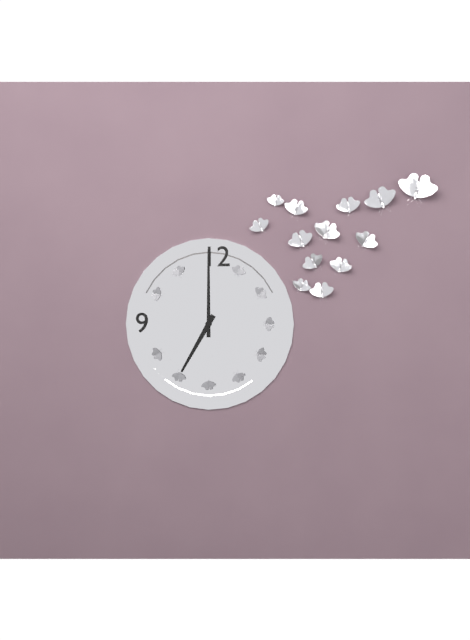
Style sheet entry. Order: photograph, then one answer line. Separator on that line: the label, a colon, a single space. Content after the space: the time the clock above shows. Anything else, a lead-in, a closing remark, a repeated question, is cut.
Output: 7:00
